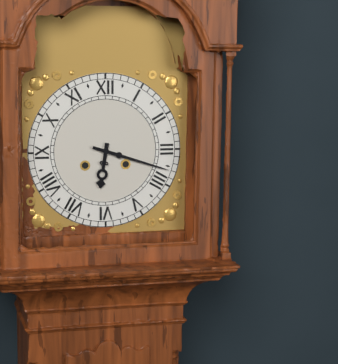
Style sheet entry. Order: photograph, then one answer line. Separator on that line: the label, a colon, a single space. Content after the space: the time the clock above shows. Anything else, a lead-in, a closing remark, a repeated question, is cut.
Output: 6:18
